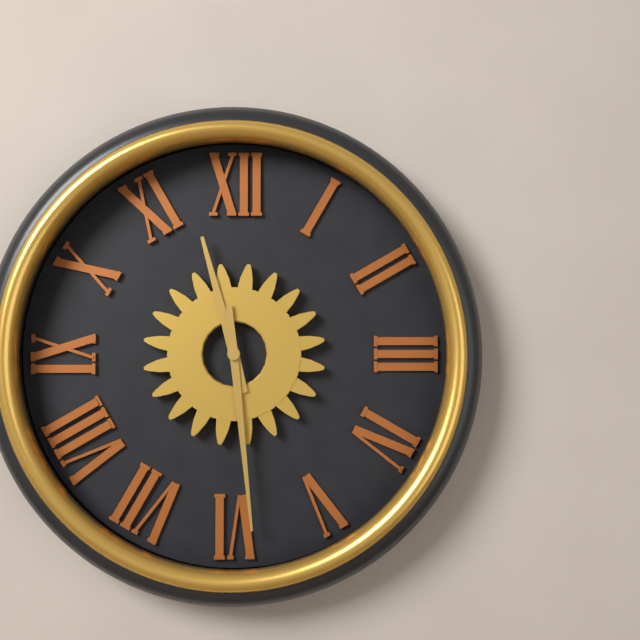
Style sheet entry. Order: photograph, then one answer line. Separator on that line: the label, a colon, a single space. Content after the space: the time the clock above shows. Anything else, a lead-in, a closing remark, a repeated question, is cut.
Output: 11:29
